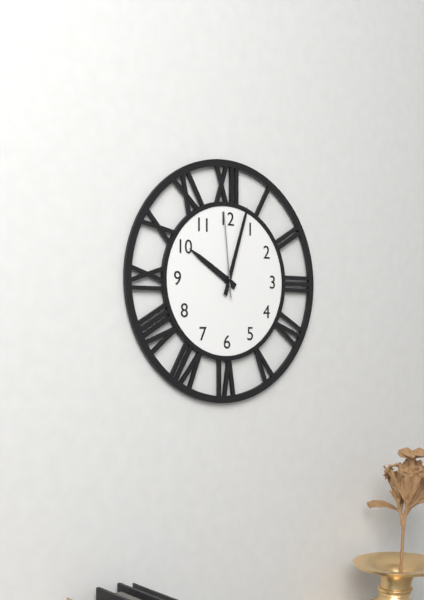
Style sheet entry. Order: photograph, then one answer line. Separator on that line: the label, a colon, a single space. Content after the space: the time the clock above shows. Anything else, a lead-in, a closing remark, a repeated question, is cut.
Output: 10:03:59
